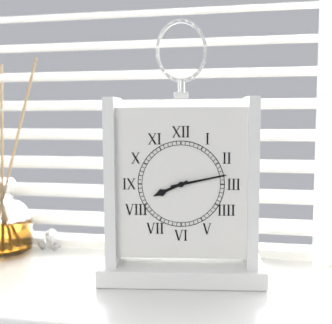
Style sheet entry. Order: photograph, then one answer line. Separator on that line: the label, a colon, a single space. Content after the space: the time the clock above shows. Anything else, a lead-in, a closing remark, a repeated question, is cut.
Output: 8:13
